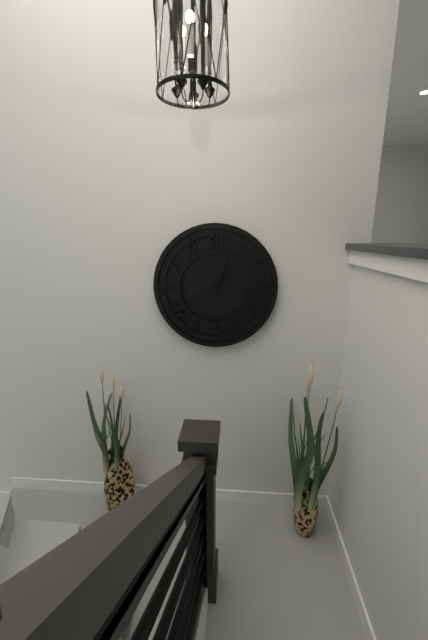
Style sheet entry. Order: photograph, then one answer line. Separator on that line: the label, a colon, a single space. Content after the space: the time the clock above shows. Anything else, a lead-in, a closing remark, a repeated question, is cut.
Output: 12:40:38
